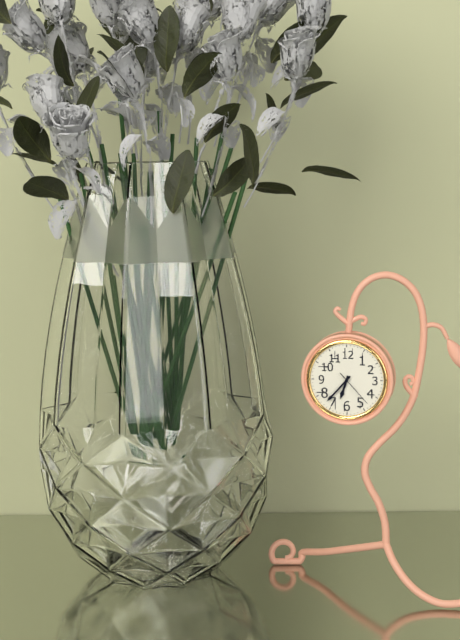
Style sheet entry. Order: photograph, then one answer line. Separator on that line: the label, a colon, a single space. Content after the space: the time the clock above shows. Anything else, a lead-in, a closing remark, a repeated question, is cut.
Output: 6:37
